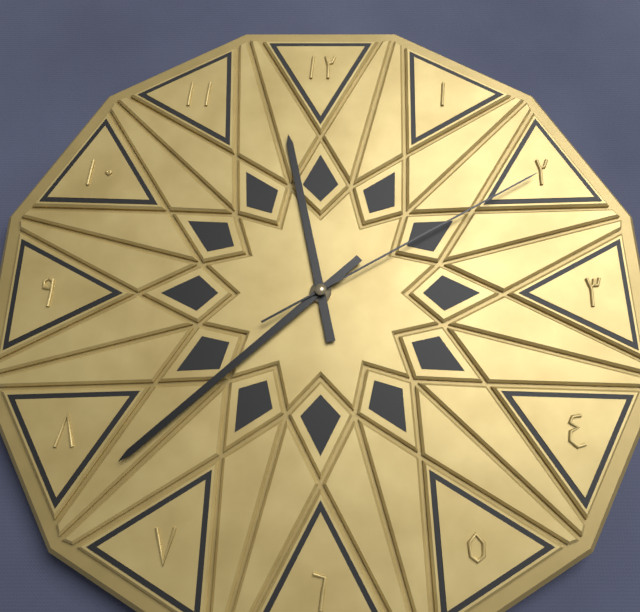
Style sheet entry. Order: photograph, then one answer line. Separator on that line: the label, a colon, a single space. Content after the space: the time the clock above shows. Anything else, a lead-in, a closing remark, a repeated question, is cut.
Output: 11:38:10
